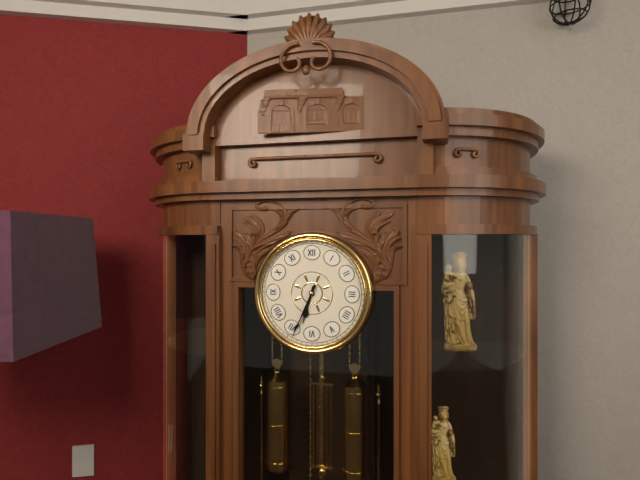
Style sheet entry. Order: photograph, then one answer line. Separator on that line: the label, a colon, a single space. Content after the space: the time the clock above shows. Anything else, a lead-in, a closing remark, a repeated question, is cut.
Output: 6:34
